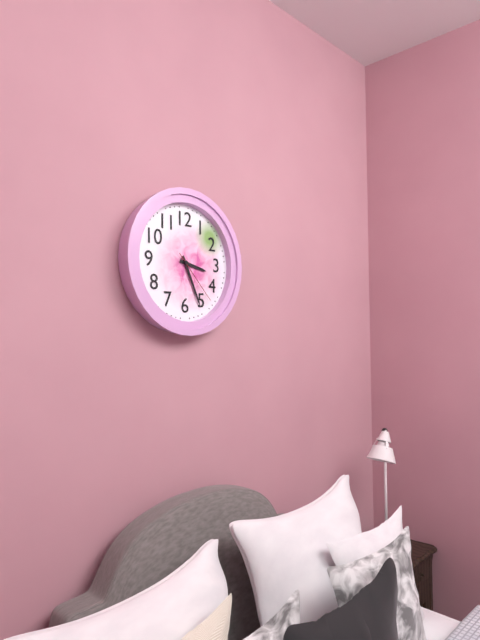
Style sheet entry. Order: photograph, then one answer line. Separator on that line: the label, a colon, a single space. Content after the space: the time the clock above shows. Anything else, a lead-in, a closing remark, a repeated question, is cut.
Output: 3:26:23
